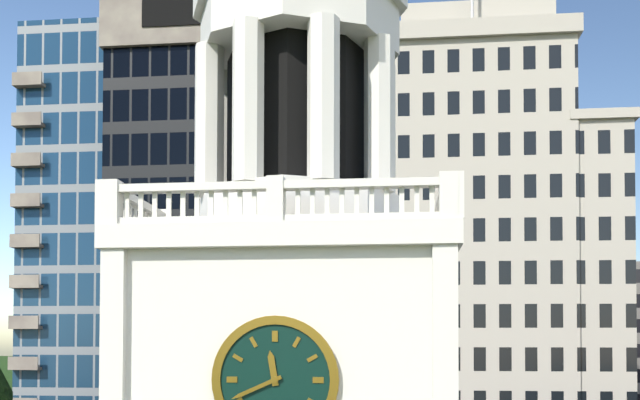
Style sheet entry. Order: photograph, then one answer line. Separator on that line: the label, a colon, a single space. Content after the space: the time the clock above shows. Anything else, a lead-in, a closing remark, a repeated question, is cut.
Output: 11:41
